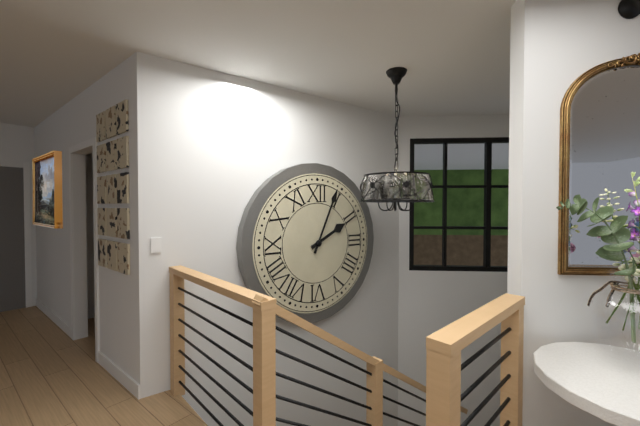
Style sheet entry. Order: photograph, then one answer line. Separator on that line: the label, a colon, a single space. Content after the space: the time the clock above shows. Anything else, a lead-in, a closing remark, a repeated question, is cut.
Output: 2:04
